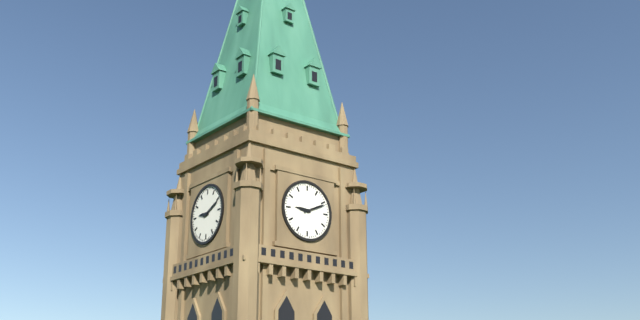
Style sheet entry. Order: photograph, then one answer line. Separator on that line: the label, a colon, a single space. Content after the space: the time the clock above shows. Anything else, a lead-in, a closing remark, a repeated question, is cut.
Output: 9:11
